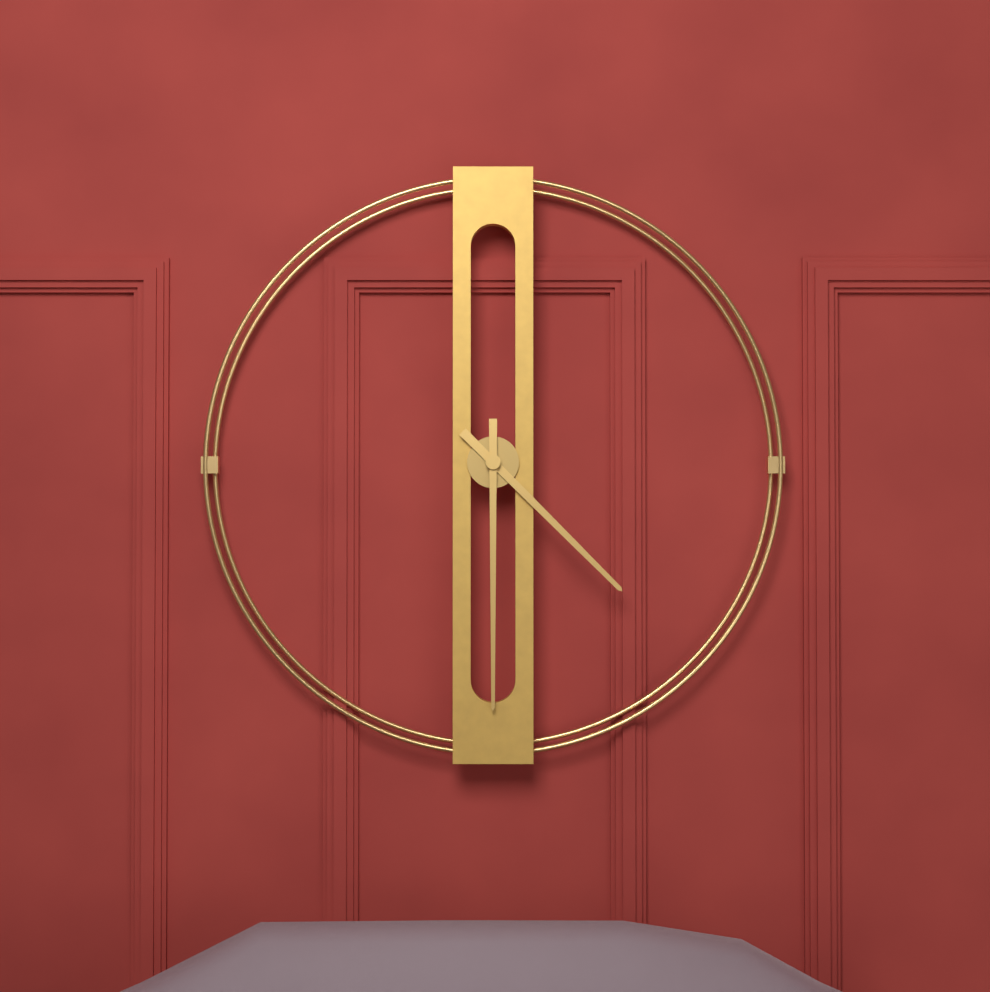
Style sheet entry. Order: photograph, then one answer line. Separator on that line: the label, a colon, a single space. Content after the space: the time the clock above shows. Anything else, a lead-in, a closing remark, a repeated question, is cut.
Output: 4:30
